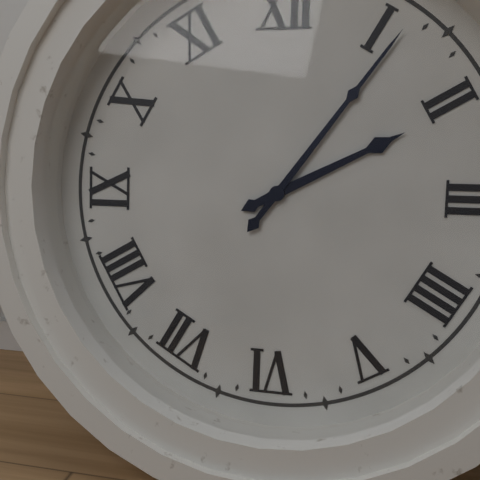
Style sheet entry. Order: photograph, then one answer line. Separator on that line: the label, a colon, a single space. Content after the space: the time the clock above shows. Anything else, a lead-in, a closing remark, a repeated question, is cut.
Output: 2:06
